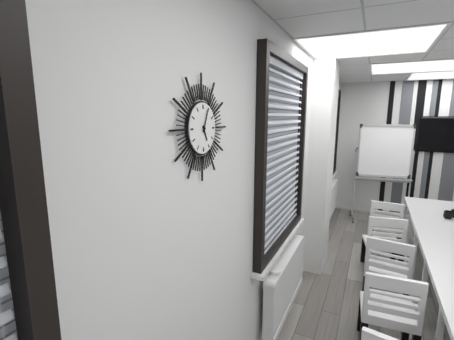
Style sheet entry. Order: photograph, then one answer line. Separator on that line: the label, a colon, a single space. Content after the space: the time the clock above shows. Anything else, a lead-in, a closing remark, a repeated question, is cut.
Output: 5:04
